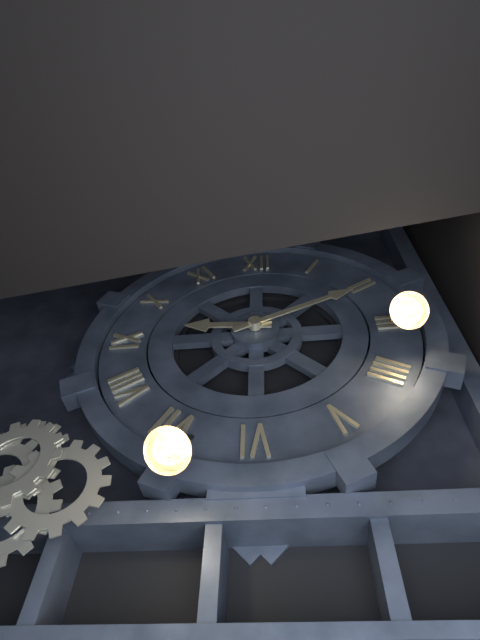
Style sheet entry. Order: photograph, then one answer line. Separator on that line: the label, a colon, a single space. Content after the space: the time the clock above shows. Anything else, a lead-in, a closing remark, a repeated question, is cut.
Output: 9:11
